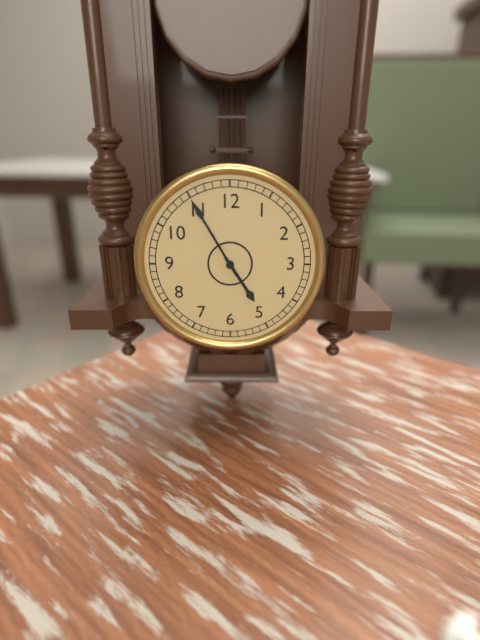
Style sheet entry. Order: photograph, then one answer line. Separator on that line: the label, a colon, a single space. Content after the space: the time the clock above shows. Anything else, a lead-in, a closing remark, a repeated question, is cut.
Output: 4:55
